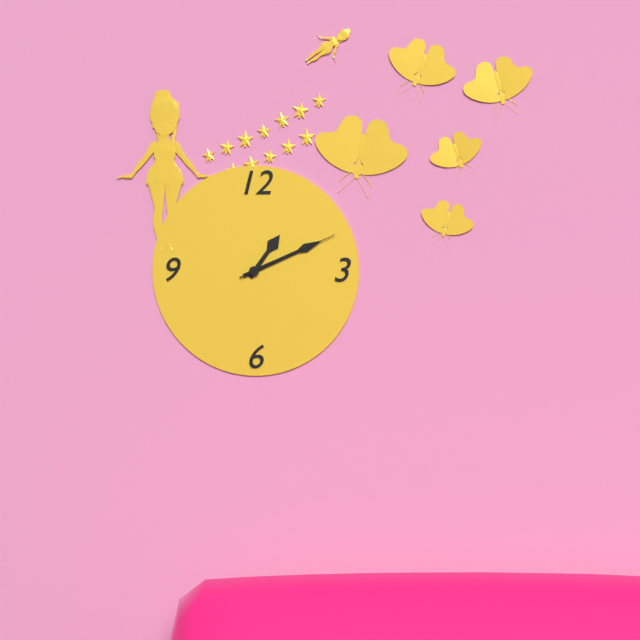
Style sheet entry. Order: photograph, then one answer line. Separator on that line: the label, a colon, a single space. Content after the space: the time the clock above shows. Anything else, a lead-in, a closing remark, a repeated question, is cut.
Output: 1:11:11
